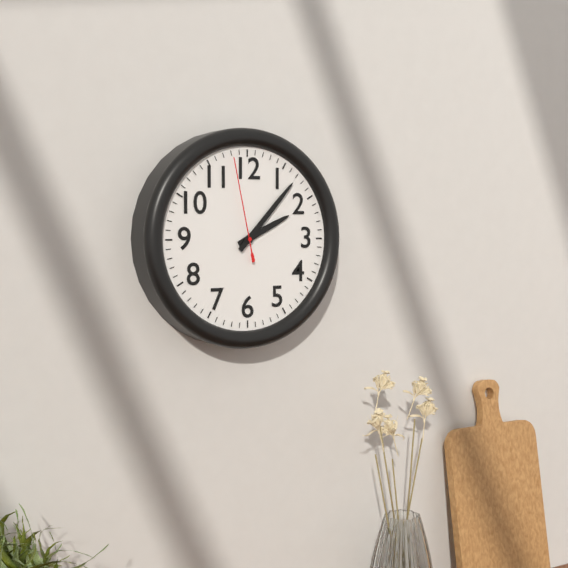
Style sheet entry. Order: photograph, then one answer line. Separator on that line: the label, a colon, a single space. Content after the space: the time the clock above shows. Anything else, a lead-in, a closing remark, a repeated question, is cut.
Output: 2:07:58
